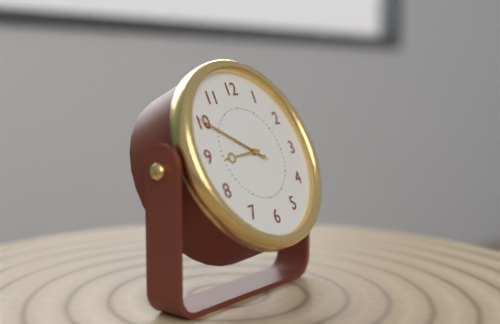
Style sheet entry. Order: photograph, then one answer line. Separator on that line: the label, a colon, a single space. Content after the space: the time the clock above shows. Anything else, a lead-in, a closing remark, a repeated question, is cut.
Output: 8:50:50
